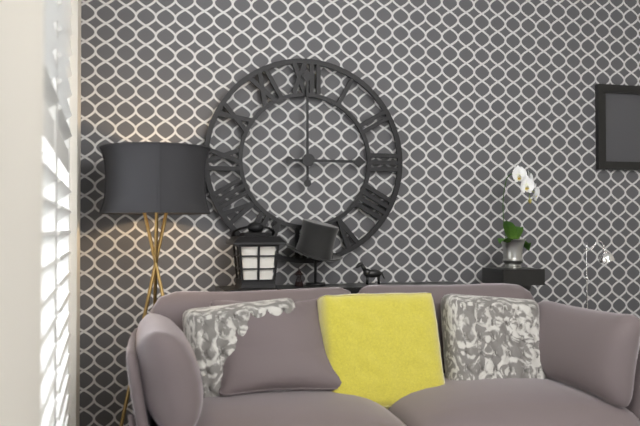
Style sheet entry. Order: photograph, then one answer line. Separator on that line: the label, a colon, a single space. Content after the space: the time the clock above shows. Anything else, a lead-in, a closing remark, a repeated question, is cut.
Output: 3:00
